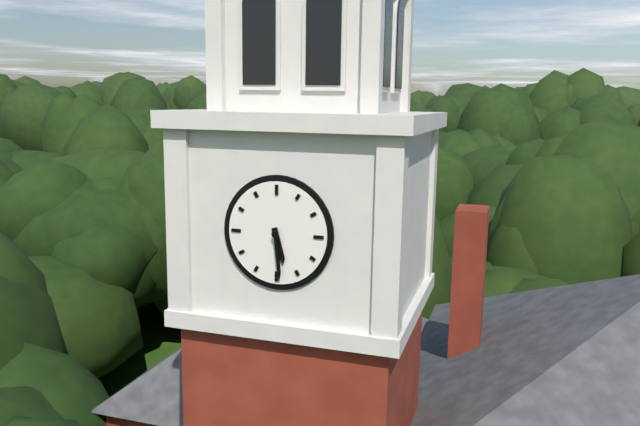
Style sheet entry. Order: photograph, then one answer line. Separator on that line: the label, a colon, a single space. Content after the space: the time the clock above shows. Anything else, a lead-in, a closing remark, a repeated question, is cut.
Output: 5:29
